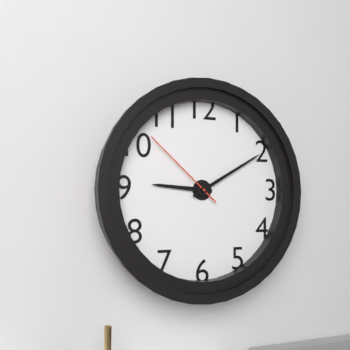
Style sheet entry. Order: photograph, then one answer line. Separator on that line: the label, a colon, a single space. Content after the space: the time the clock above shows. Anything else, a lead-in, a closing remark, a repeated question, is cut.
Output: 9:10:52
